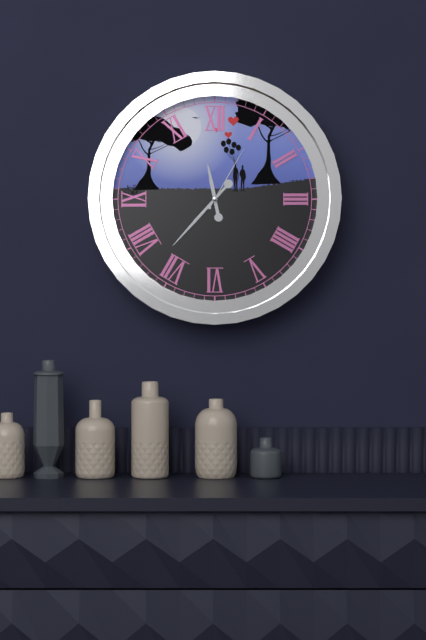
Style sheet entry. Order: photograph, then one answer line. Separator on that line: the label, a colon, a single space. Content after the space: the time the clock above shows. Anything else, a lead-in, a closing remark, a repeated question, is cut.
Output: 11:37:05
